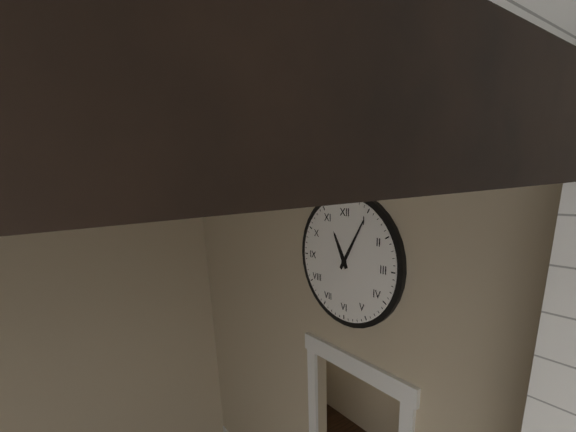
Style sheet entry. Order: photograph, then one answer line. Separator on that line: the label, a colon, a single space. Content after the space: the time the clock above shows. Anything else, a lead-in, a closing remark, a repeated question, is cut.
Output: 11:05
